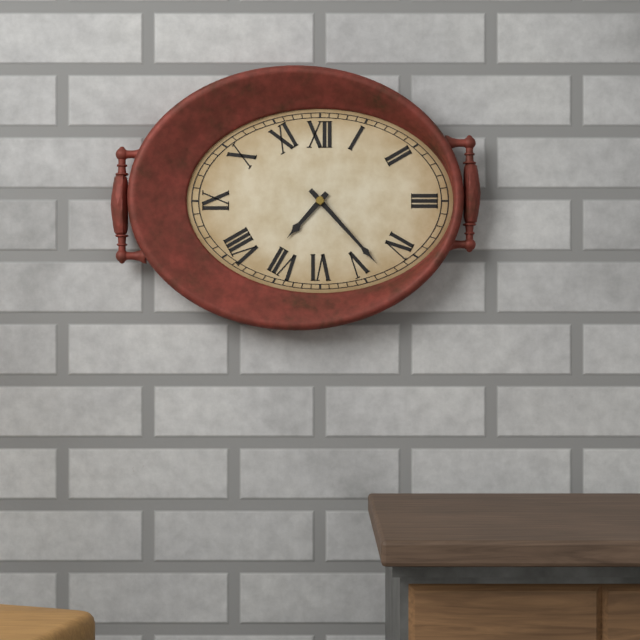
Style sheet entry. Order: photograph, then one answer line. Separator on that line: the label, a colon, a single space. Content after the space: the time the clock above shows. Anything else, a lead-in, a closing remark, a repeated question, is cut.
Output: 7:23
